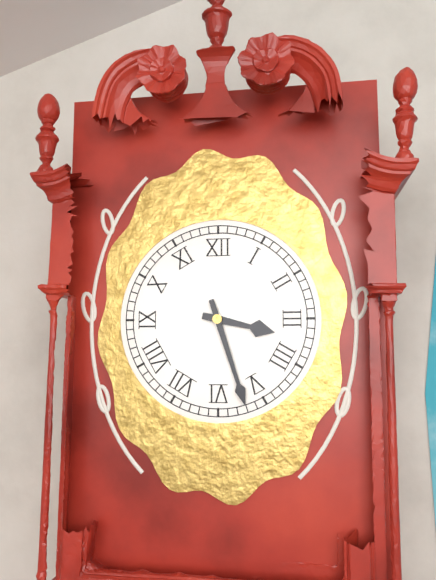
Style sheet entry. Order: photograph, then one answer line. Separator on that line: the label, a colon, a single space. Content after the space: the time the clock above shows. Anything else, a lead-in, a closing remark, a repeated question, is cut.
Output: 3:27
